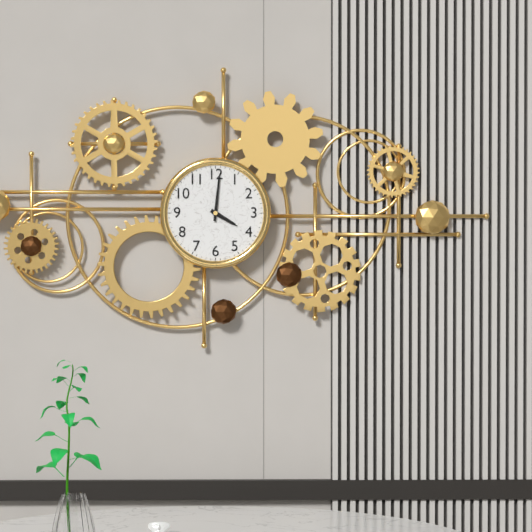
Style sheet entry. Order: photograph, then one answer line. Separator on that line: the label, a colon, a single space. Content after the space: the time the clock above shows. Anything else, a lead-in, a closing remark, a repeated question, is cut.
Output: 4:01
